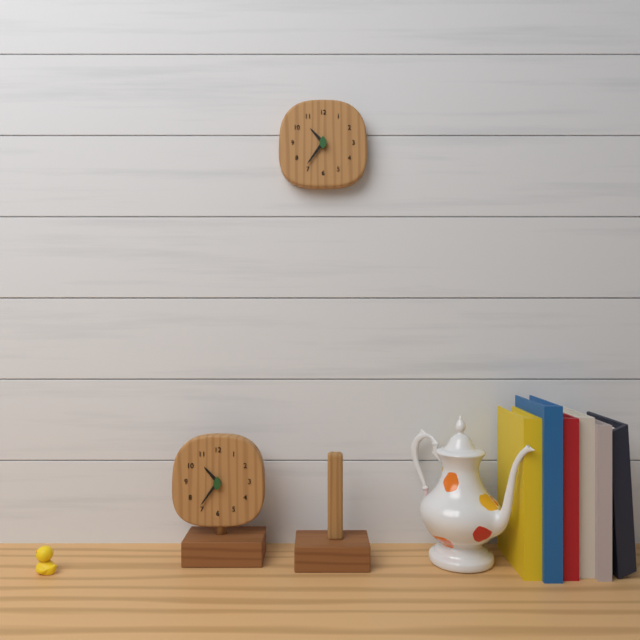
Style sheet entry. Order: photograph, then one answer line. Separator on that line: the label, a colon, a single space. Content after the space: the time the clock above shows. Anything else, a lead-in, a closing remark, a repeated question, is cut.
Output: 10:36
